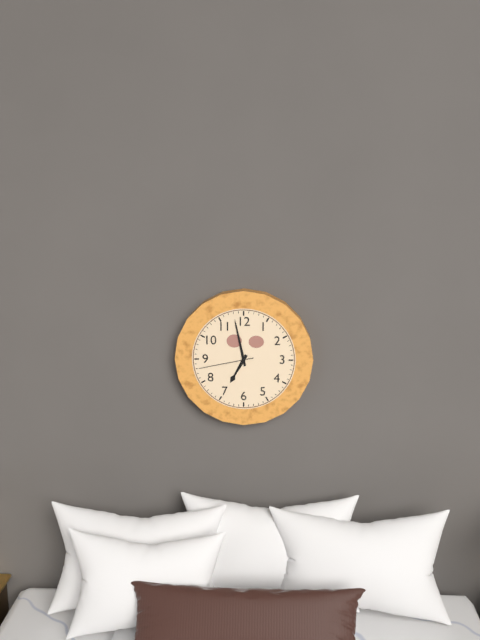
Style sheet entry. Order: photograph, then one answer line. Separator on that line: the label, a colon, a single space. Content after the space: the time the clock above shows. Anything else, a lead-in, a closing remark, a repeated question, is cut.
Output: 6:58:43
